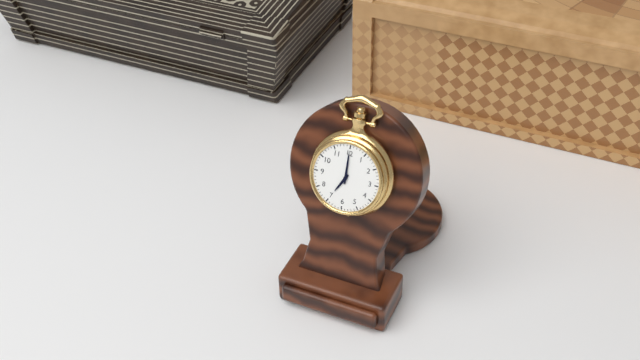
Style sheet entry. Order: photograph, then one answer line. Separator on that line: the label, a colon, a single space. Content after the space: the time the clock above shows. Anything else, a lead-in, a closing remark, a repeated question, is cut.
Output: 7:00
